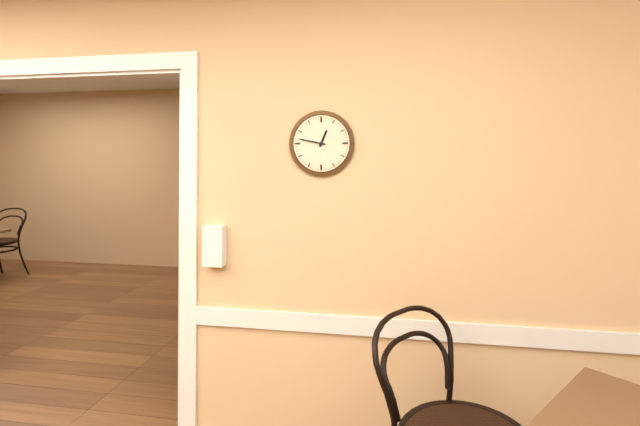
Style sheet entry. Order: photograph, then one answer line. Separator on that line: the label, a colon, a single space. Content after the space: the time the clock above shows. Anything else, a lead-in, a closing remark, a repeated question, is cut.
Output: 12:47
